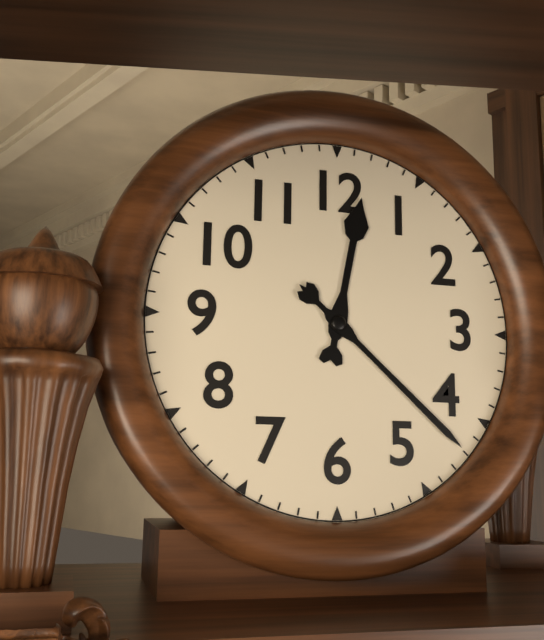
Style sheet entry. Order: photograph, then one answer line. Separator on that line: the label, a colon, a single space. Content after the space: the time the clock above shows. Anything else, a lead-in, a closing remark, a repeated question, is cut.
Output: 12:22
